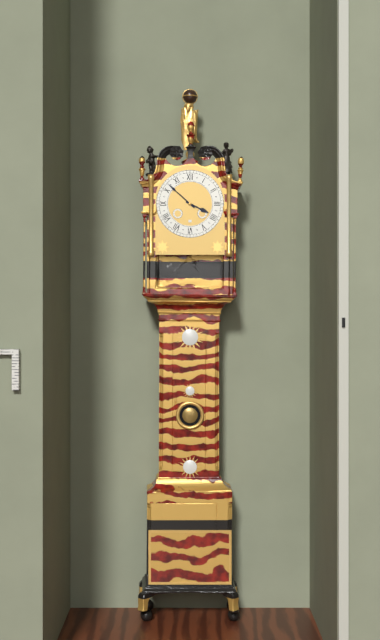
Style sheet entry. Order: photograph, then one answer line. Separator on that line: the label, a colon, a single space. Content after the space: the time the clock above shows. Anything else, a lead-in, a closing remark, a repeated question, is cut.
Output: 3:52
